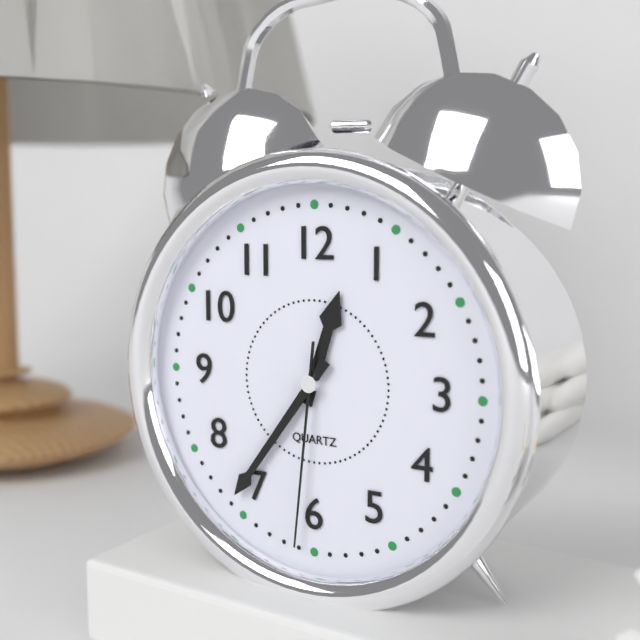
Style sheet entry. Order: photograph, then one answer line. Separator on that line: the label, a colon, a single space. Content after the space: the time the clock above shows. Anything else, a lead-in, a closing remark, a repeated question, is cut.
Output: 12:36:31
